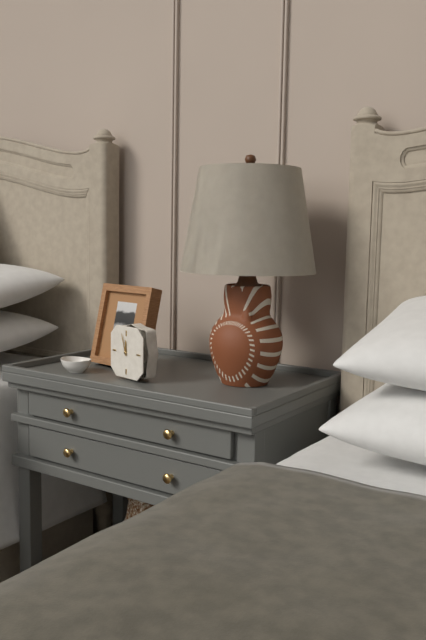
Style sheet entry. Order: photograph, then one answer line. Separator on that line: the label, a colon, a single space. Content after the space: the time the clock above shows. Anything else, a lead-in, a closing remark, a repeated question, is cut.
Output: 11:57
